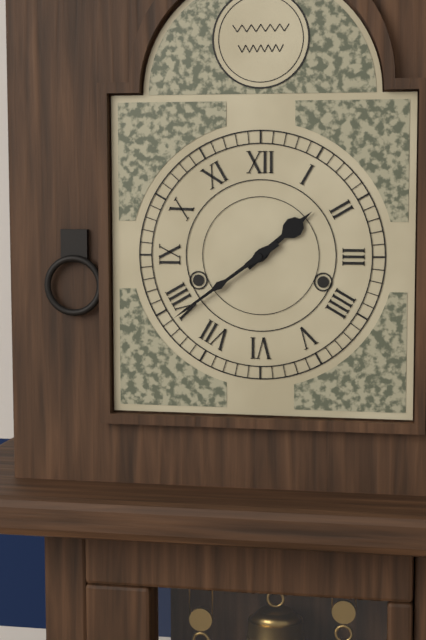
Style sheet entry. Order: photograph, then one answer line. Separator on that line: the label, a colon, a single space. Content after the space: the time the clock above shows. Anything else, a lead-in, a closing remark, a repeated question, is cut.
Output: 1:39
